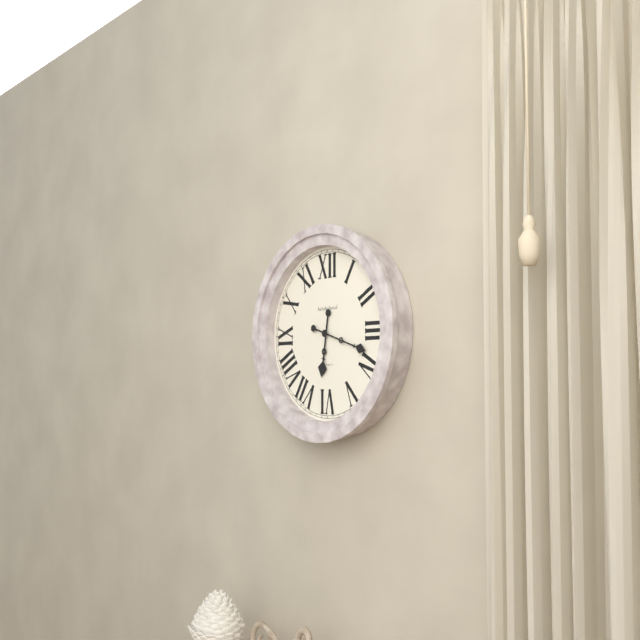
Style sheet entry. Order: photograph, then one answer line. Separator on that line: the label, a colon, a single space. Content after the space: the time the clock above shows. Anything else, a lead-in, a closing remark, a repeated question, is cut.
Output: 6:18
